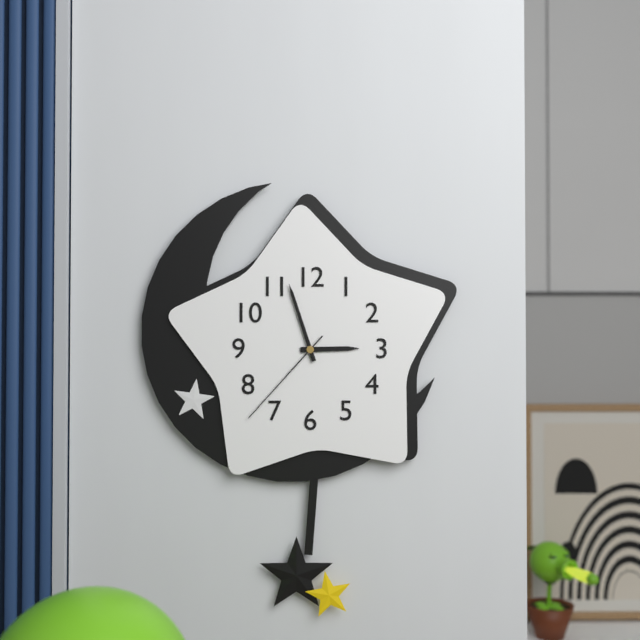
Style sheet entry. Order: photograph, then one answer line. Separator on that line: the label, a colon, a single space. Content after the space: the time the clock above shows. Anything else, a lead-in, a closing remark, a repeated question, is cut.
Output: 2:57:37
